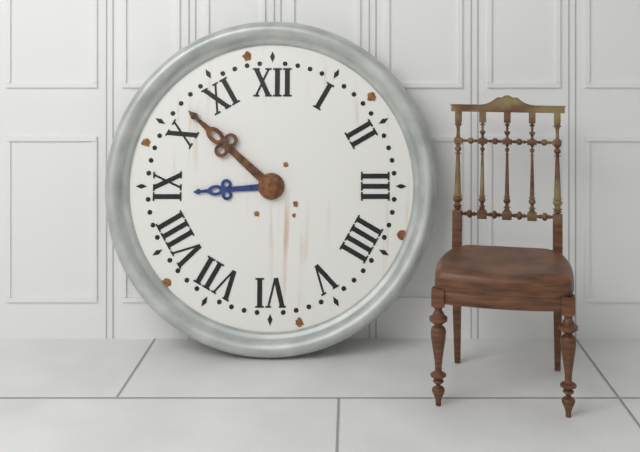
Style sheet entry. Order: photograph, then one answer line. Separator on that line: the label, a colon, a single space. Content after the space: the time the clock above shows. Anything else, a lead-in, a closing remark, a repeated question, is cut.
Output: 8:52
